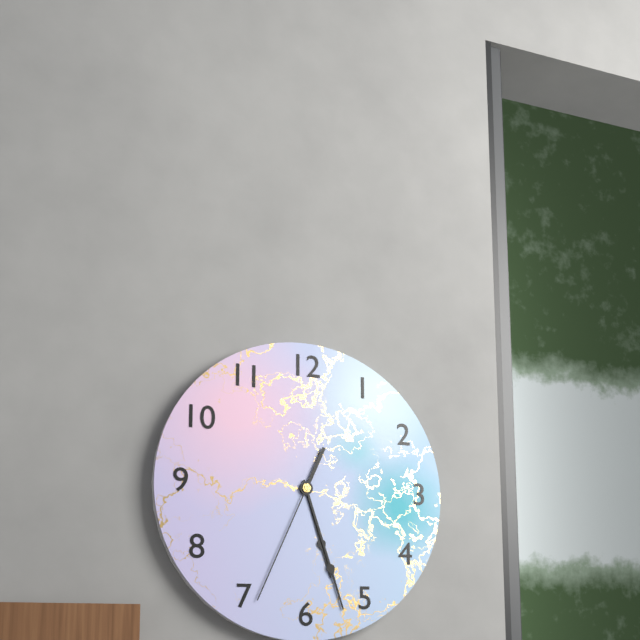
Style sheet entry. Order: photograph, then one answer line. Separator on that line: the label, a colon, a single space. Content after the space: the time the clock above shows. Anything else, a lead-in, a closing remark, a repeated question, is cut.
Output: 5:27:34
